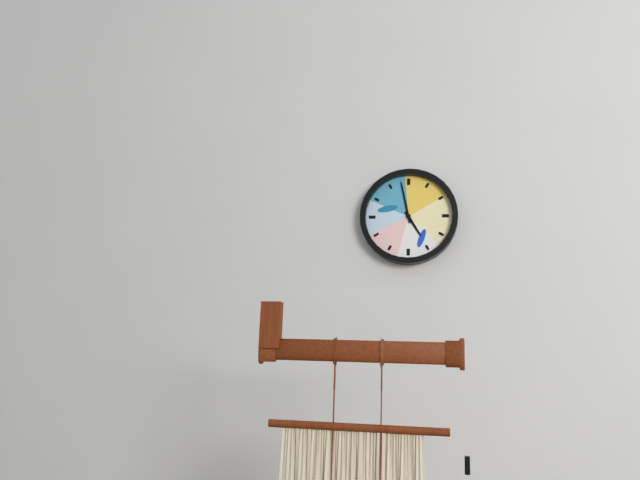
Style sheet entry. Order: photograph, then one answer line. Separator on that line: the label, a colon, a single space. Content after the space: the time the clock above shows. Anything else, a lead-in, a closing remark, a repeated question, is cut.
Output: 4:58
